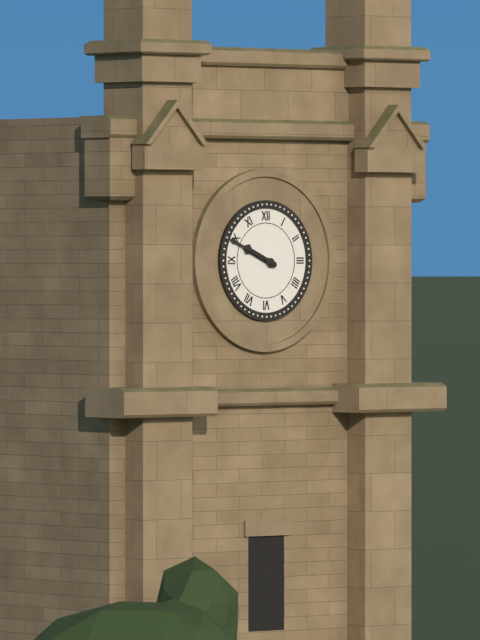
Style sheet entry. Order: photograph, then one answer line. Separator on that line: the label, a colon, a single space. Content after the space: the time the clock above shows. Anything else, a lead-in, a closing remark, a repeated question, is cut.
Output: 9:49
